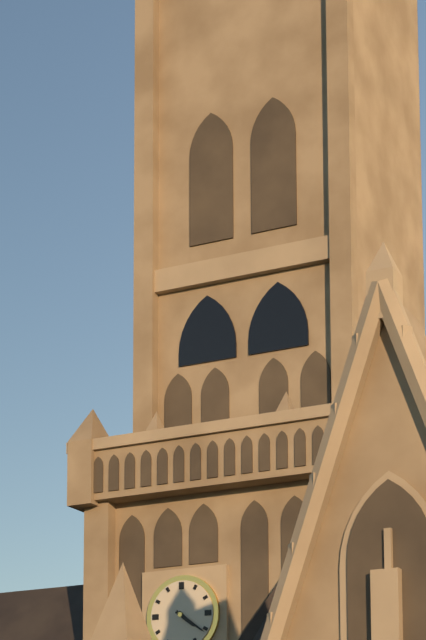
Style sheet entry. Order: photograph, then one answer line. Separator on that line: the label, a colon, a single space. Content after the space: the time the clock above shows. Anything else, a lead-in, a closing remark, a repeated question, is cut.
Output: 4:21
